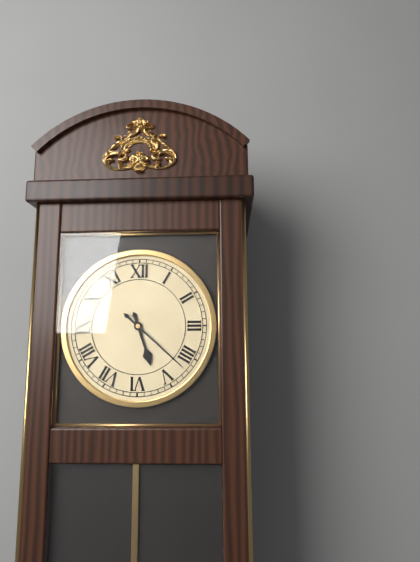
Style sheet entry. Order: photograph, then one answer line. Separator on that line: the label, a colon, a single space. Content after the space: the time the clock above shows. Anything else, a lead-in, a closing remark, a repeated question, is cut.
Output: 5:22
